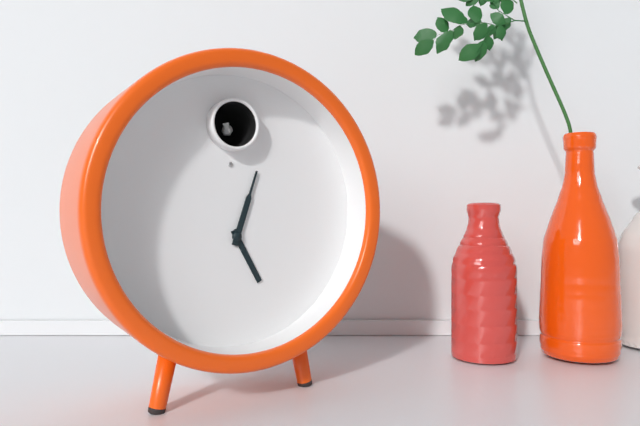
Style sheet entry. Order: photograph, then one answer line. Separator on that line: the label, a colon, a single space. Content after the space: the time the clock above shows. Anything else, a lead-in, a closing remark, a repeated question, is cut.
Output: 5:03
